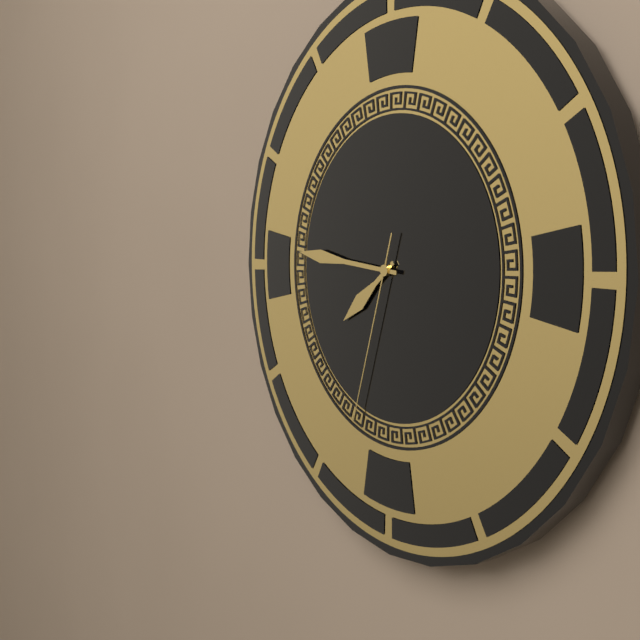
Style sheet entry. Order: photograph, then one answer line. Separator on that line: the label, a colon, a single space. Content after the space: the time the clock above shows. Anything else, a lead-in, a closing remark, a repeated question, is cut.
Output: 7:46:33
